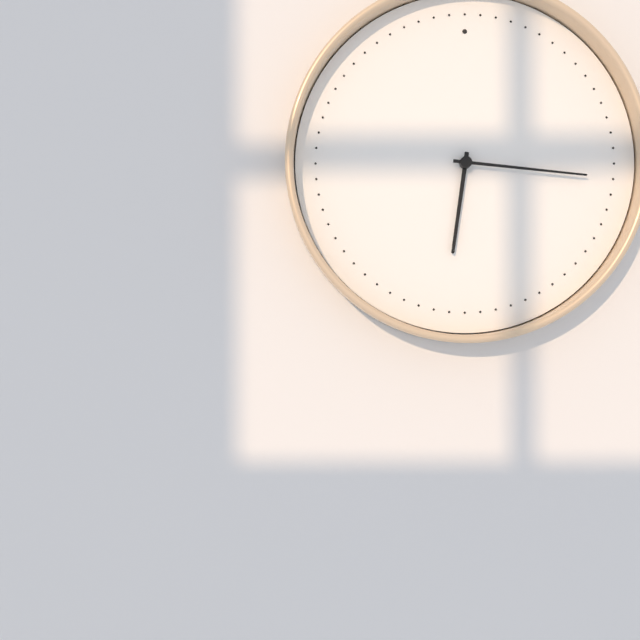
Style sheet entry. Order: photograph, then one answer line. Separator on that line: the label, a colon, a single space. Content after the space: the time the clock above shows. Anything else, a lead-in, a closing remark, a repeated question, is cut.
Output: 6:16
